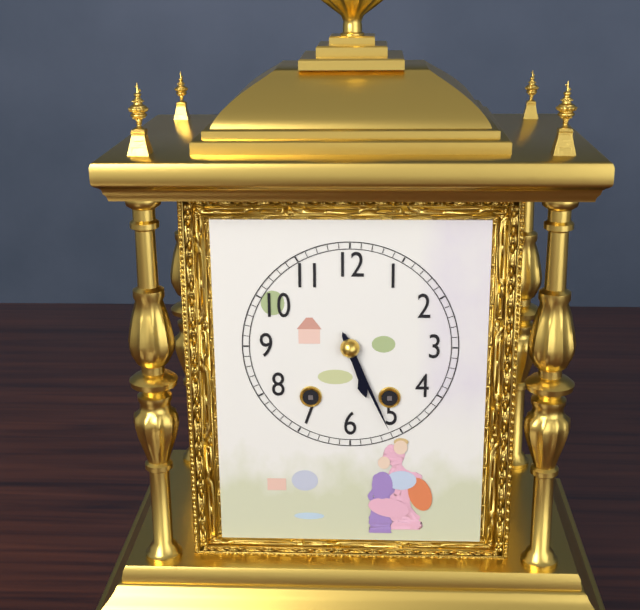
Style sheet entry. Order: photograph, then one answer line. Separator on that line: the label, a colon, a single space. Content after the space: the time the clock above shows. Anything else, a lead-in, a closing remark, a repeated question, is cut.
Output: 5:26
